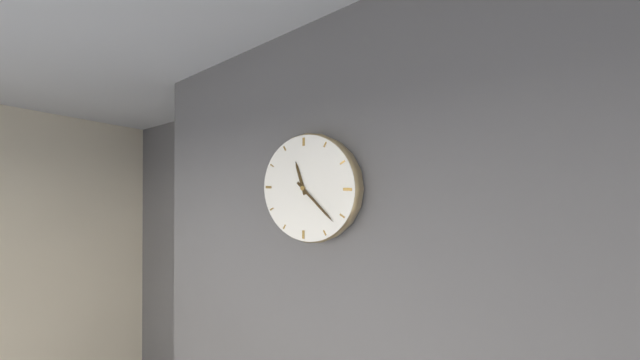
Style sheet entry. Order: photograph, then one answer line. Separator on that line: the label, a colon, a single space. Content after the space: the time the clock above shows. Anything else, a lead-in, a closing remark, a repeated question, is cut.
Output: 11:22
